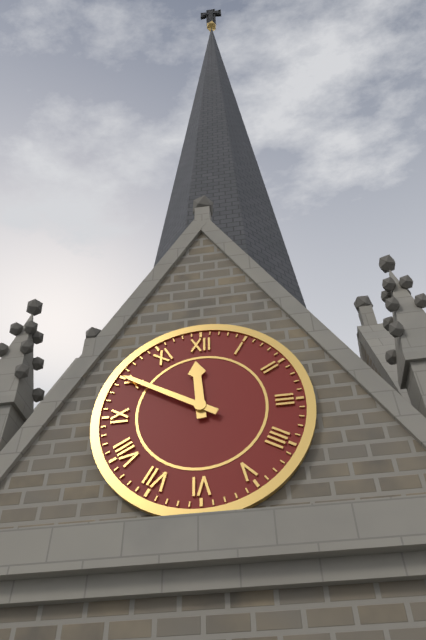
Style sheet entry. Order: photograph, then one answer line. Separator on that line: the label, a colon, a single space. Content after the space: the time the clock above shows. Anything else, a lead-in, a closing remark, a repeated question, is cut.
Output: 11:50
